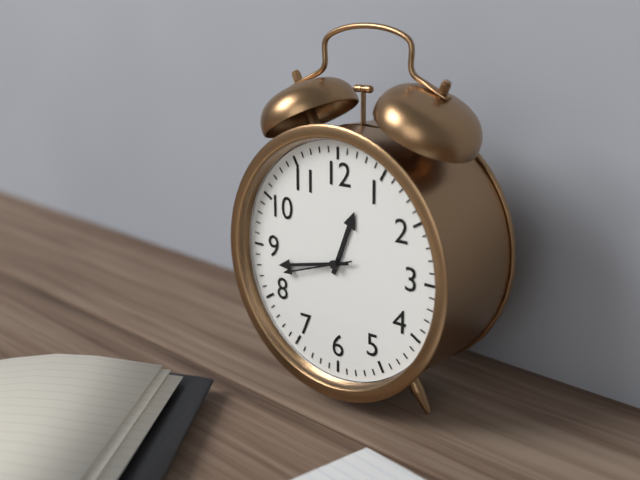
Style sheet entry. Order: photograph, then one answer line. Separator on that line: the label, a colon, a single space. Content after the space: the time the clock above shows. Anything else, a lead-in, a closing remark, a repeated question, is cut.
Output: 12:43:42
